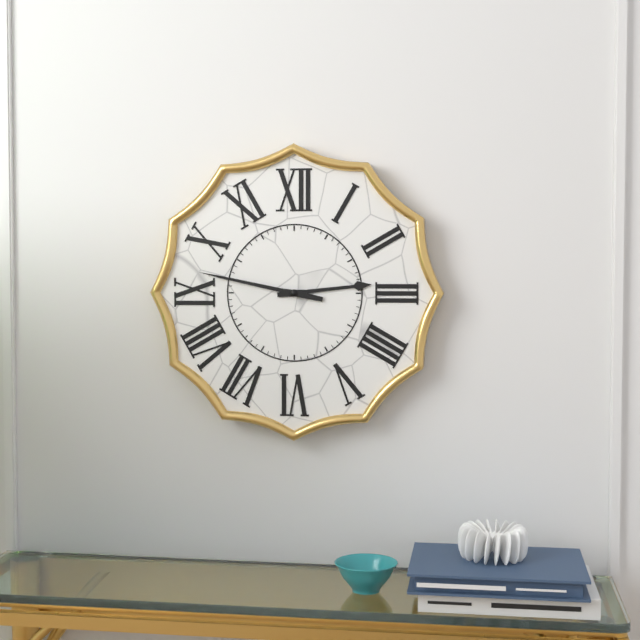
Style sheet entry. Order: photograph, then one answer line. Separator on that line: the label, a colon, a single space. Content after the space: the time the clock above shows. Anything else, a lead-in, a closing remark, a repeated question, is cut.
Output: 2:47
